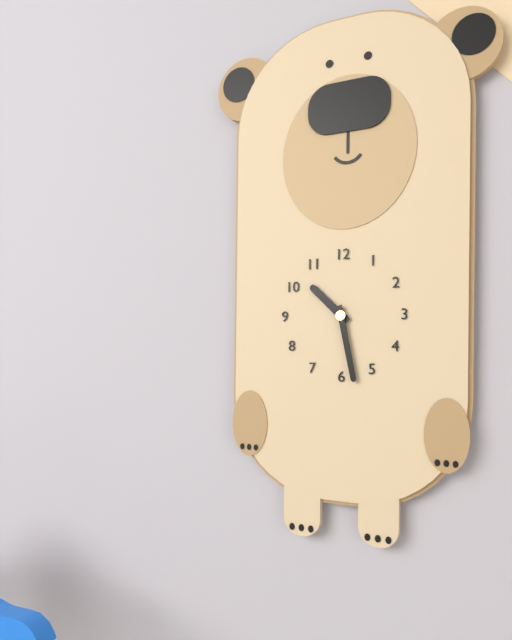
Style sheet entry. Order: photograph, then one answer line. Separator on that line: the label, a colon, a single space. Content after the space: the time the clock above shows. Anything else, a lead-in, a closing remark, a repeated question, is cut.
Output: 10:28
